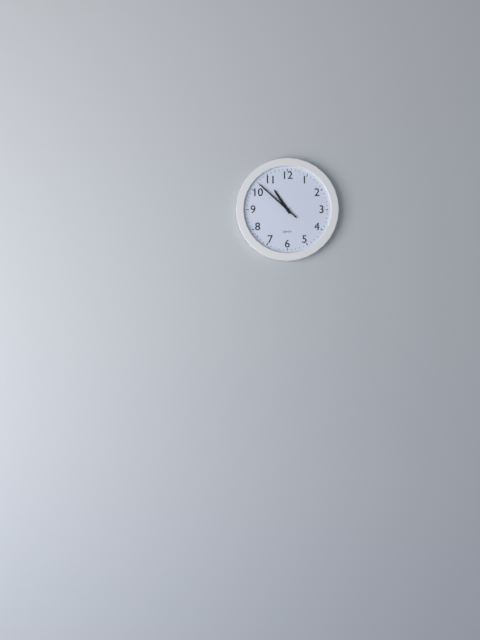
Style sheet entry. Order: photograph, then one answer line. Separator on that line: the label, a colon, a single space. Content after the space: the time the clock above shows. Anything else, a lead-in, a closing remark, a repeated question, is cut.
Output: 10:52
